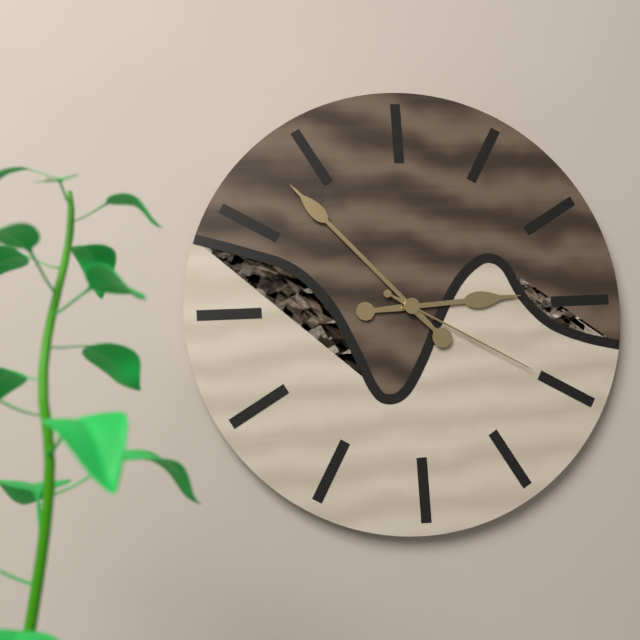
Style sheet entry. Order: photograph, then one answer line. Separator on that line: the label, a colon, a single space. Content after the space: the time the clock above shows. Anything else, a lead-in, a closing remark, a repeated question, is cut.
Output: 2:53:20
